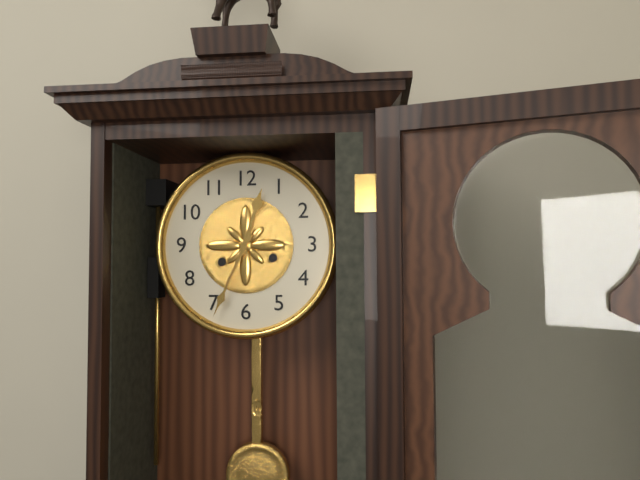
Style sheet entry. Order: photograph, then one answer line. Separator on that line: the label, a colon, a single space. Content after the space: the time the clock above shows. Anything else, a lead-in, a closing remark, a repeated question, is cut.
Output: 12:34
